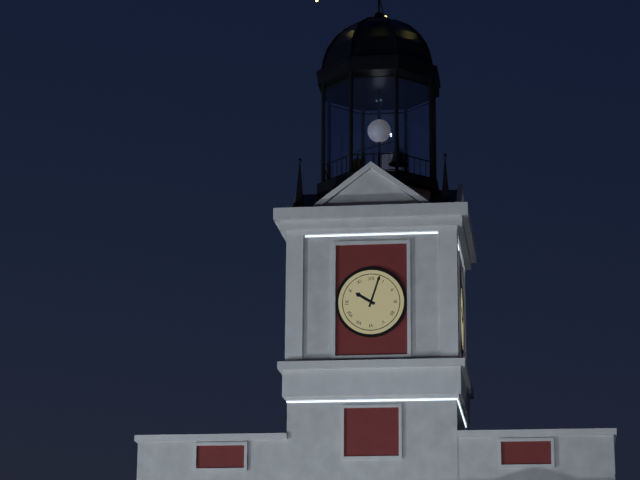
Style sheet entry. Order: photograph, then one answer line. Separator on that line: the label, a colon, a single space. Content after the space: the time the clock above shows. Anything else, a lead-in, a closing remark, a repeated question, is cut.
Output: 10:03
